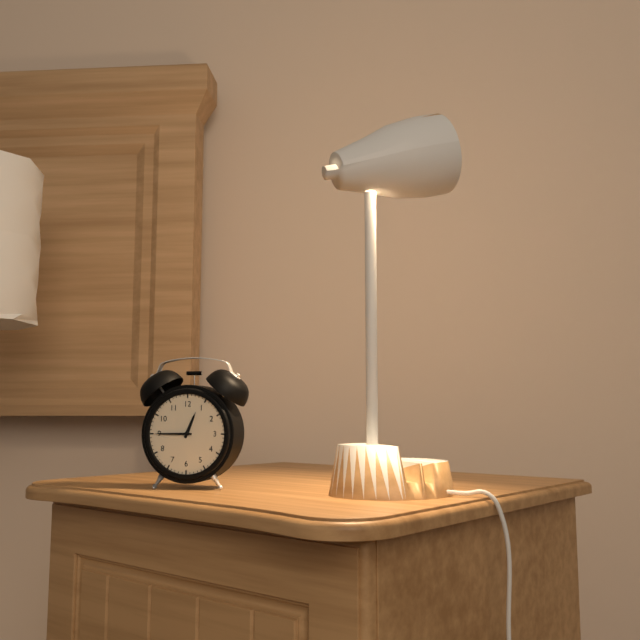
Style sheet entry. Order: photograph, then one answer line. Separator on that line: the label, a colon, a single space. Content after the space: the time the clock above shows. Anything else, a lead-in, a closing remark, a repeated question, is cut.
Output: 12:45
